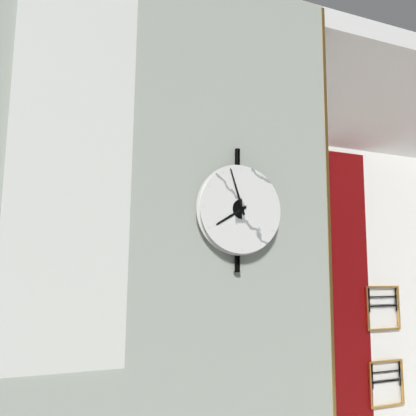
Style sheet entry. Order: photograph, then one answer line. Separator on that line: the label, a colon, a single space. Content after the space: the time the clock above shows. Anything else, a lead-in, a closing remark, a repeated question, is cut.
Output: 7:57
